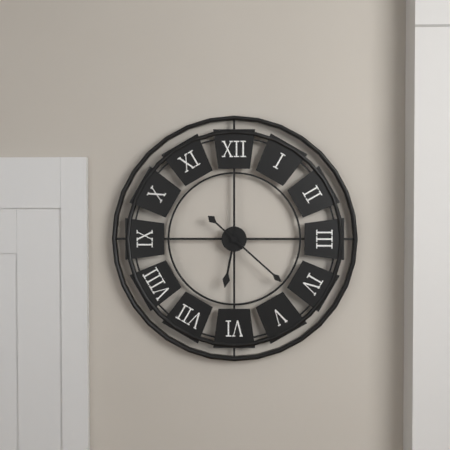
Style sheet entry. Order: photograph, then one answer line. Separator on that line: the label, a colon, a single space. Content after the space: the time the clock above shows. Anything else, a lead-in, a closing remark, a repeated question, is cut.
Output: 6:22
